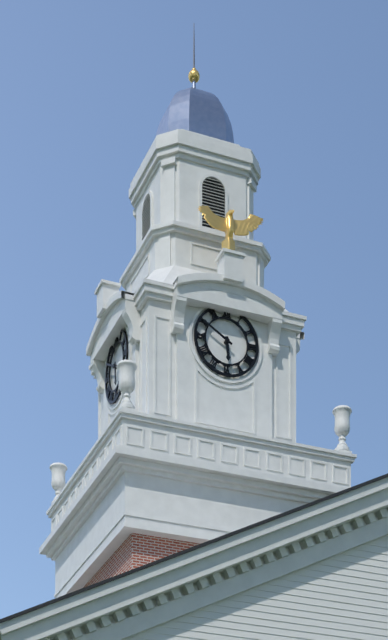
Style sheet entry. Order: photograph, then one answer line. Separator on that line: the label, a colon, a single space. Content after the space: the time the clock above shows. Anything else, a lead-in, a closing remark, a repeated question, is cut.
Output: 5:50
